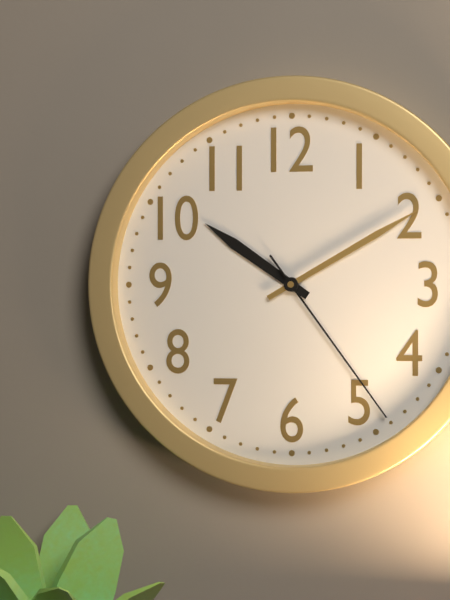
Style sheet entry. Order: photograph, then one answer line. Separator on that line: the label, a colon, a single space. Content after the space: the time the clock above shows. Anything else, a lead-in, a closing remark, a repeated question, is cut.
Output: 10:10:24
